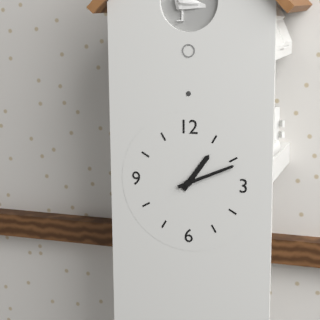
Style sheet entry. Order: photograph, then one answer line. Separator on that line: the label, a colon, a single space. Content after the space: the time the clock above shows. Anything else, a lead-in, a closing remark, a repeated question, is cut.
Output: 1:11
